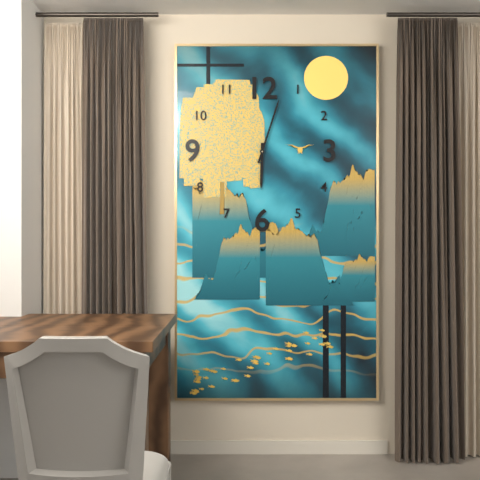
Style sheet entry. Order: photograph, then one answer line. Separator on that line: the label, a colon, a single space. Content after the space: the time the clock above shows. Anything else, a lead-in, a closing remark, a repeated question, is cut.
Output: 6:03
